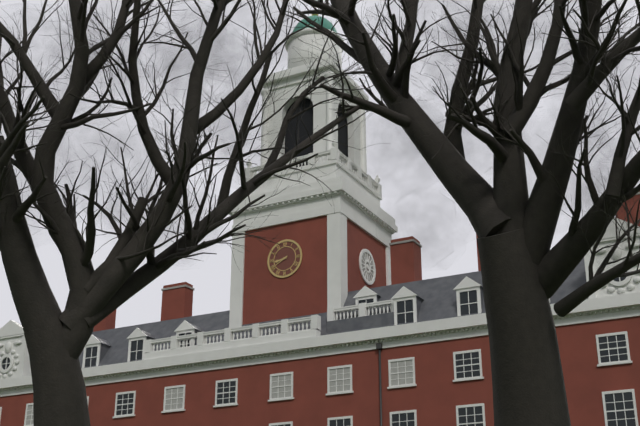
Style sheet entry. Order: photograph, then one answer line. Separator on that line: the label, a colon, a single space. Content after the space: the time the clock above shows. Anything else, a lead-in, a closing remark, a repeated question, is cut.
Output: 8:40
